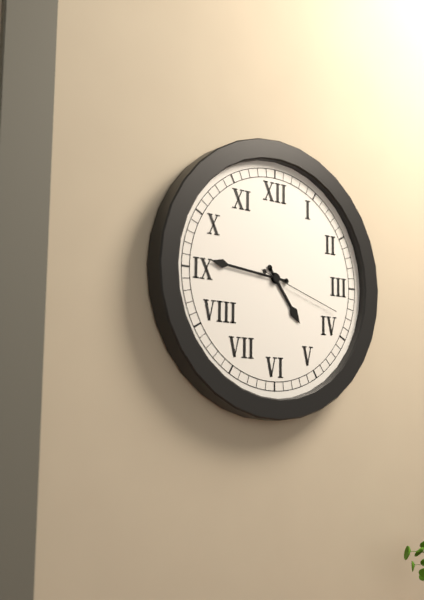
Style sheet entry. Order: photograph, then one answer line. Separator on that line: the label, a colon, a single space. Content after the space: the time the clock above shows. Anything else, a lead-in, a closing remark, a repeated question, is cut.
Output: 4:46:18
